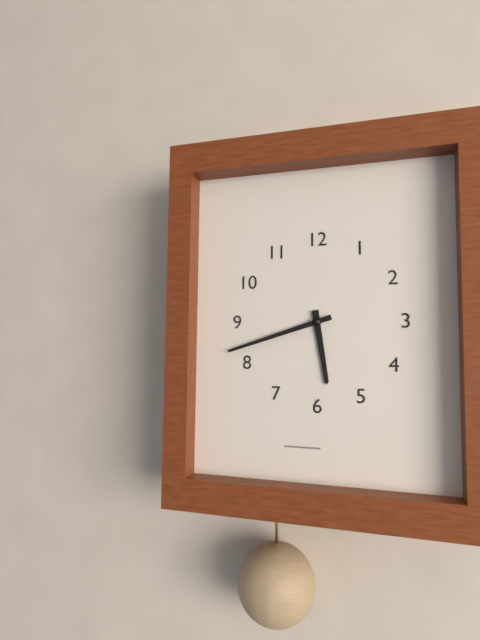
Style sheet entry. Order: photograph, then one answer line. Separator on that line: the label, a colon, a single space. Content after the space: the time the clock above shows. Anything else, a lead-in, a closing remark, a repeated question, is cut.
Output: 5:42
